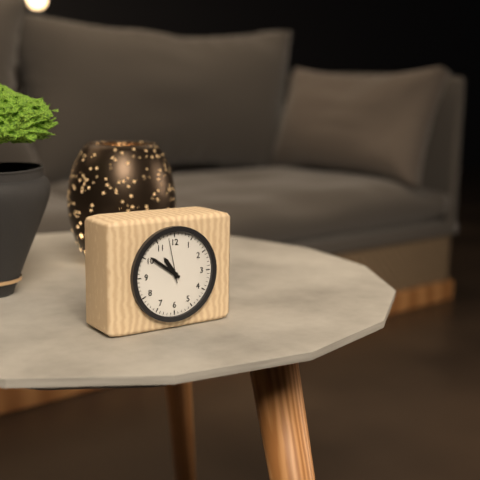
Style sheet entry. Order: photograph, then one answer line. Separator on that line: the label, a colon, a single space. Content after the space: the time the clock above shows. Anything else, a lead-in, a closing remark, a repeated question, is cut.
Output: 10:51
